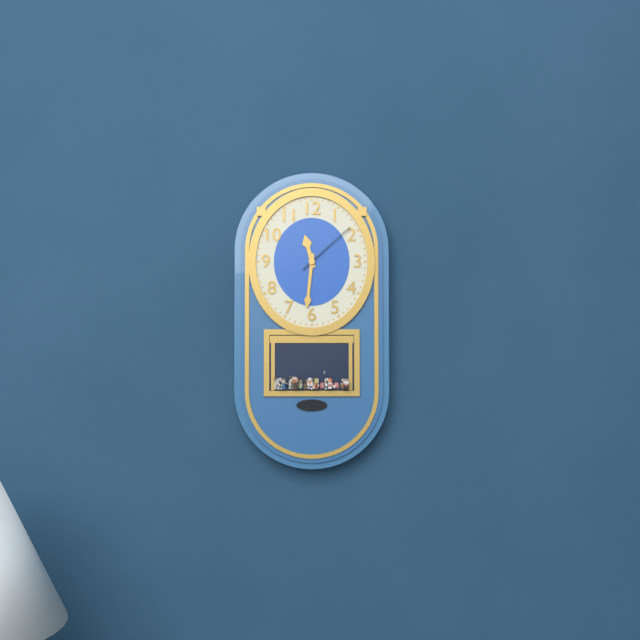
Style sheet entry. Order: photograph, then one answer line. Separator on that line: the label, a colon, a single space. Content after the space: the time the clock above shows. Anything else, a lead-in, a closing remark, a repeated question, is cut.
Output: 11:31:08
